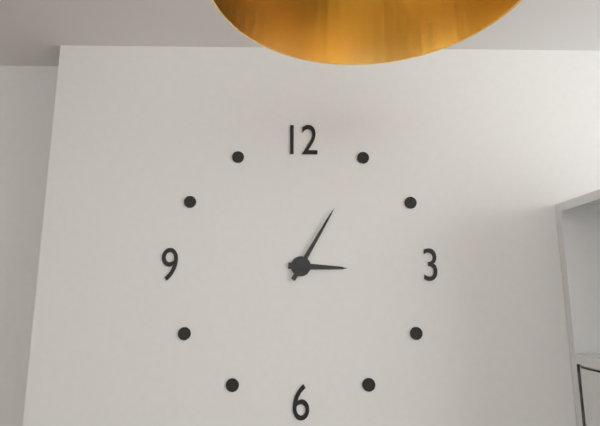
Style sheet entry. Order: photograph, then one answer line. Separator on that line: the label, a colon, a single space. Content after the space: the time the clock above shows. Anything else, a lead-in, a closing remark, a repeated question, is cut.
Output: 3:05
